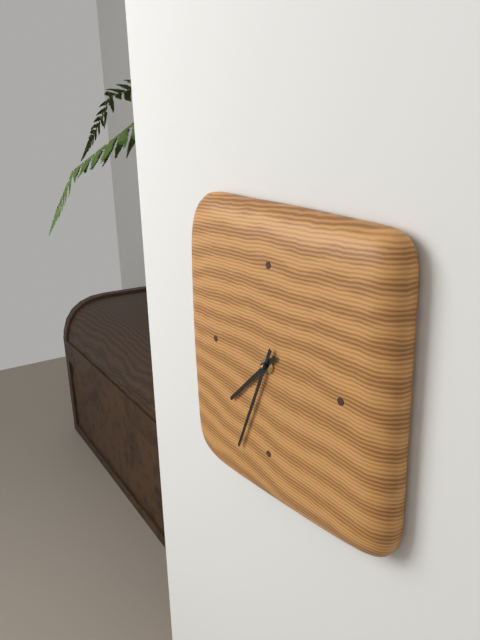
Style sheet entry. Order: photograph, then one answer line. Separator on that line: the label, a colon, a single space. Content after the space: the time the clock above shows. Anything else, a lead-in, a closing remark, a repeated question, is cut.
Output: 7:34
